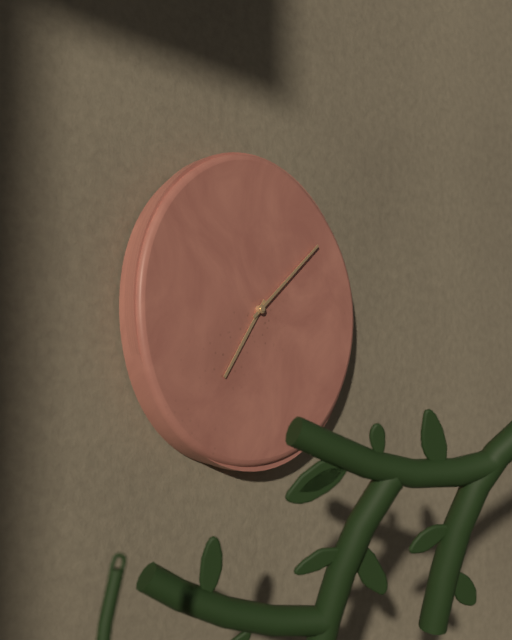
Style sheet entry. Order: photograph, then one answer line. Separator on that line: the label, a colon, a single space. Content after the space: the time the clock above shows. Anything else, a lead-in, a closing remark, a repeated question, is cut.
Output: 7:08
